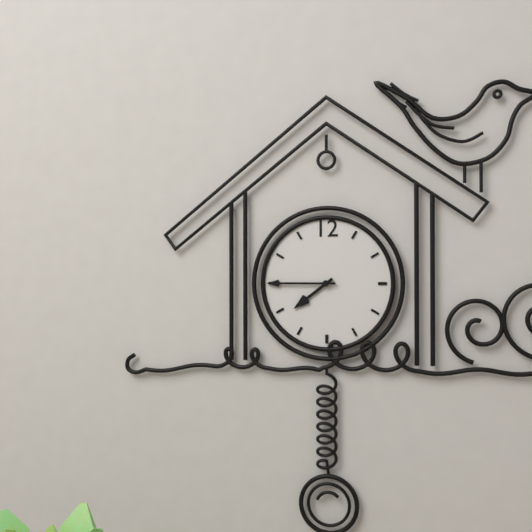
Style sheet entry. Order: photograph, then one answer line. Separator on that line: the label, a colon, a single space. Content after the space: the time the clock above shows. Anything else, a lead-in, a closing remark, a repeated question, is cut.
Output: 7:45
